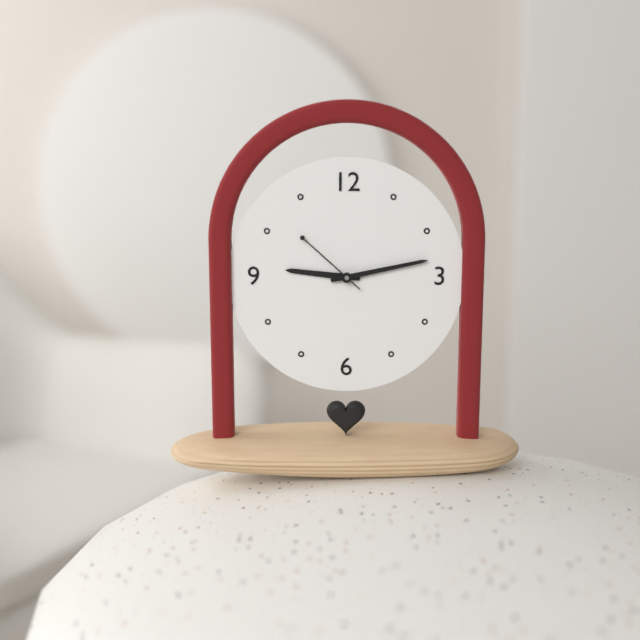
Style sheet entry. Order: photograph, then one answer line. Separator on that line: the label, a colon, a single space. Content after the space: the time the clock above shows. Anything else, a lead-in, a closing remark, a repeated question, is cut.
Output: 9:13:52
